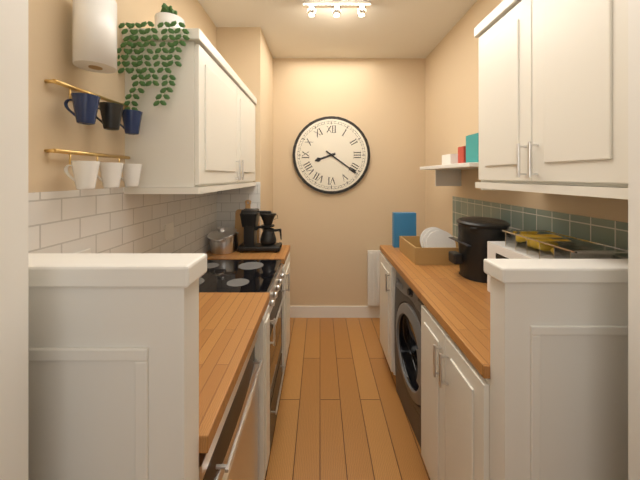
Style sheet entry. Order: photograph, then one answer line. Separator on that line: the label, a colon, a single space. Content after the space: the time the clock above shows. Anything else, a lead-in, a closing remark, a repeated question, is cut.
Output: 8:21
